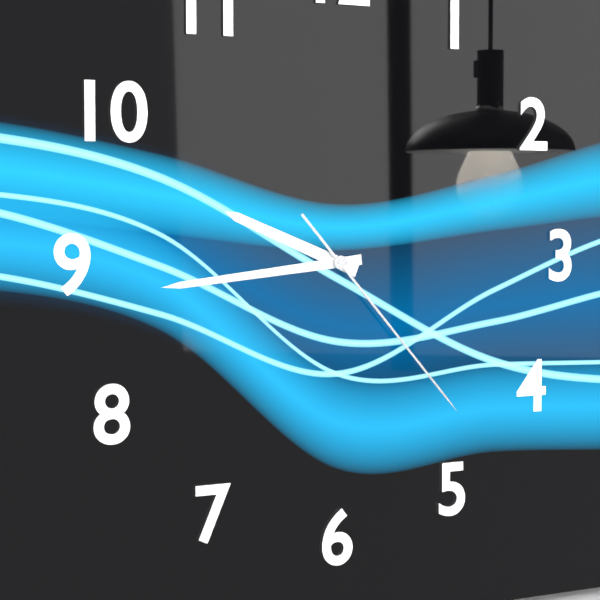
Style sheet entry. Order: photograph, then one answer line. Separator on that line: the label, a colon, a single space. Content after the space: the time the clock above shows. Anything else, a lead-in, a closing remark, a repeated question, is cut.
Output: 9:44:23
